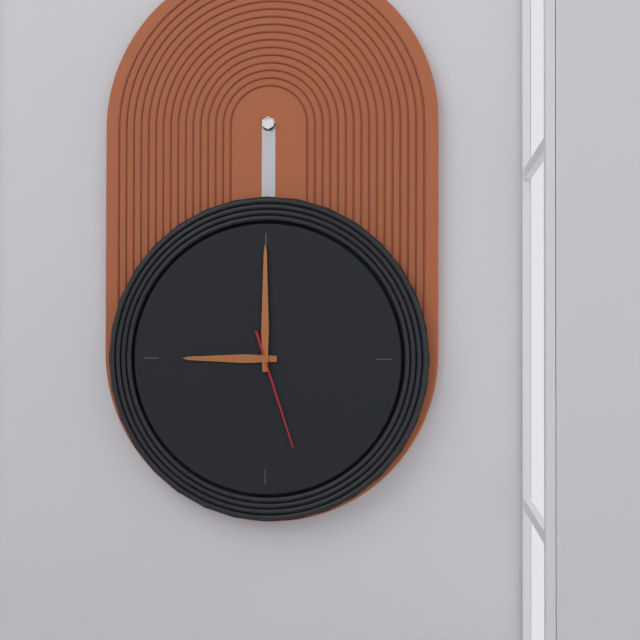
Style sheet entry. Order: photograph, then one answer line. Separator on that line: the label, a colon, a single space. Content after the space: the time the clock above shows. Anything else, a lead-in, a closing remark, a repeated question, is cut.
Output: 9:00:27
